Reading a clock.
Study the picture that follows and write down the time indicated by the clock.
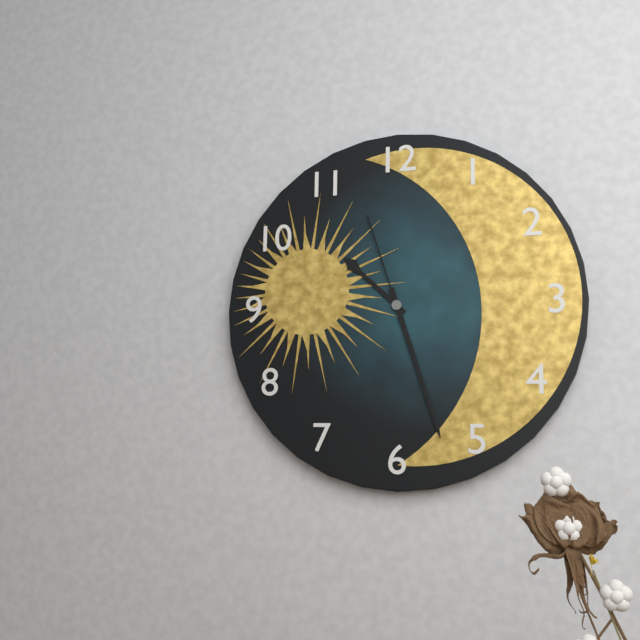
10:27:27
